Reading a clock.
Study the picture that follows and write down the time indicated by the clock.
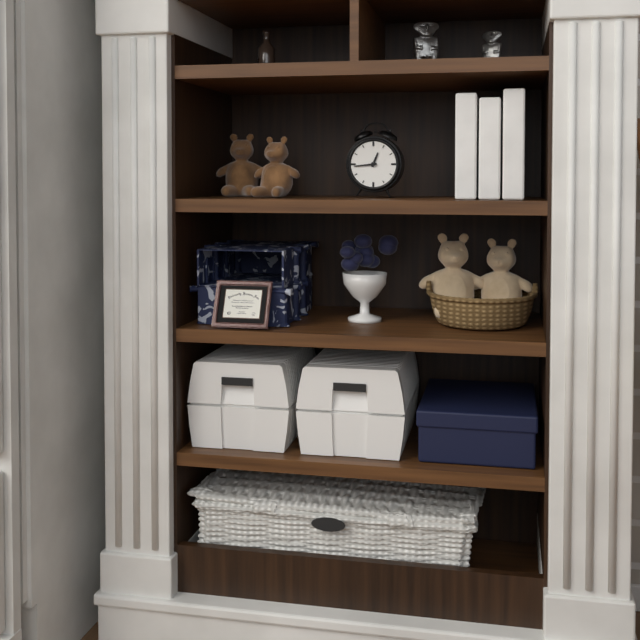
12:44
